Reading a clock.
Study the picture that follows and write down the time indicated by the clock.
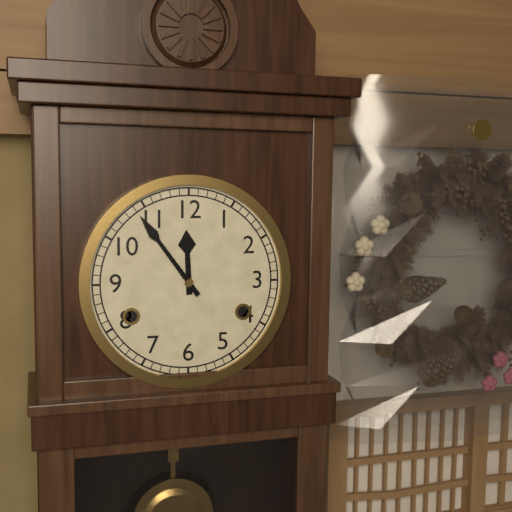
11:54
